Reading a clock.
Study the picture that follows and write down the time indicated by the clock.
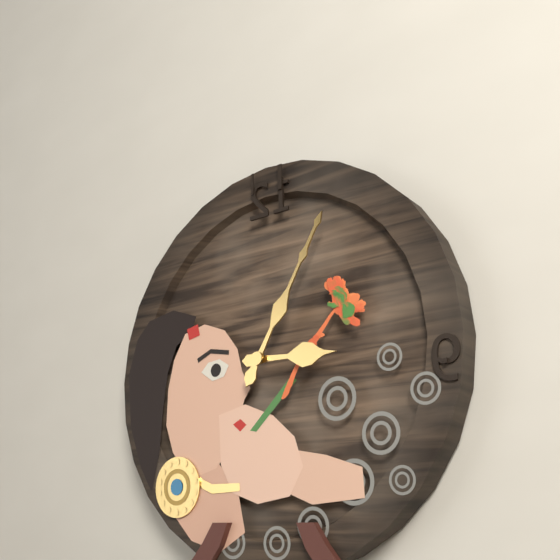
3:05
